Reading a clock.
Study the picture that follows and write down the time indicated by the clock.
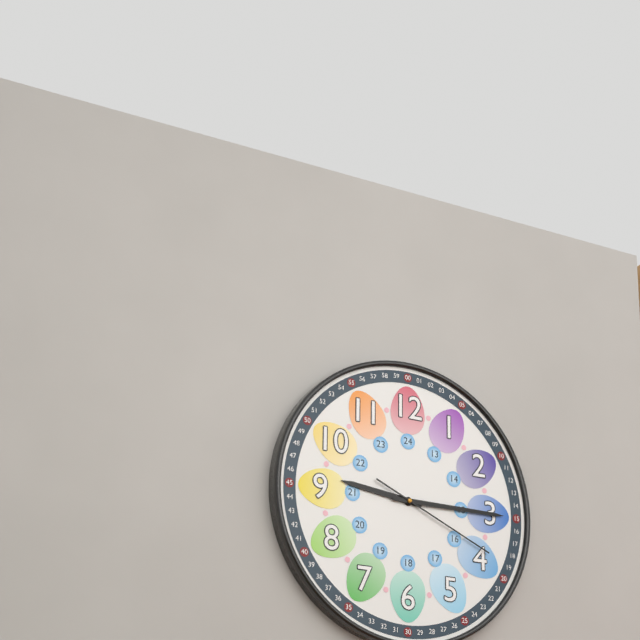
9:15:19
